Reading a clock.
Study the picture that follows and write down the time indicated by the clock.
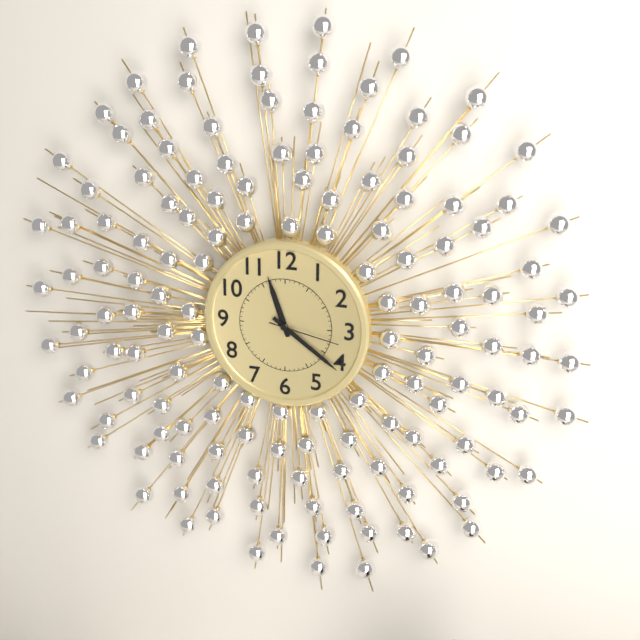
11:21:17
